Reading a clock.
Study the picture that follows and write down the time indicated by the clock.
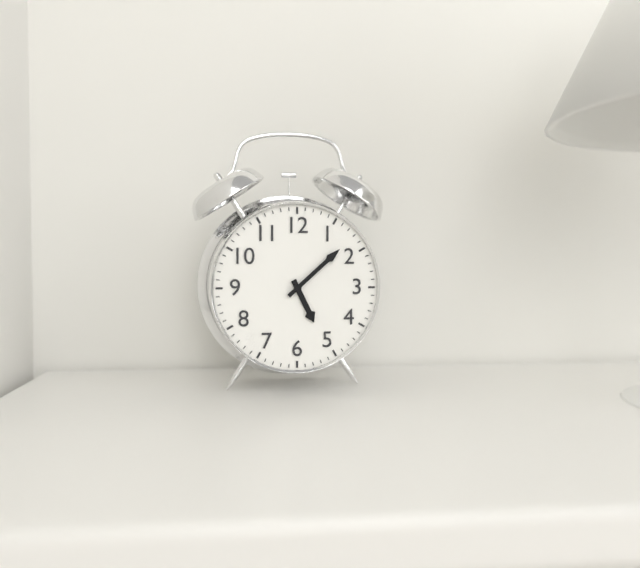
5:08
